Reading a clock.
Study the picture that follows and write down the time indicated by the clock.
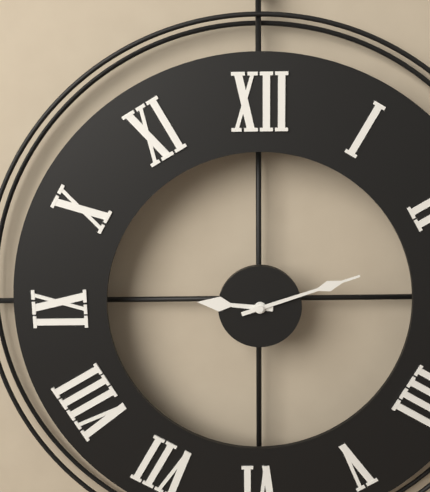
9:12
